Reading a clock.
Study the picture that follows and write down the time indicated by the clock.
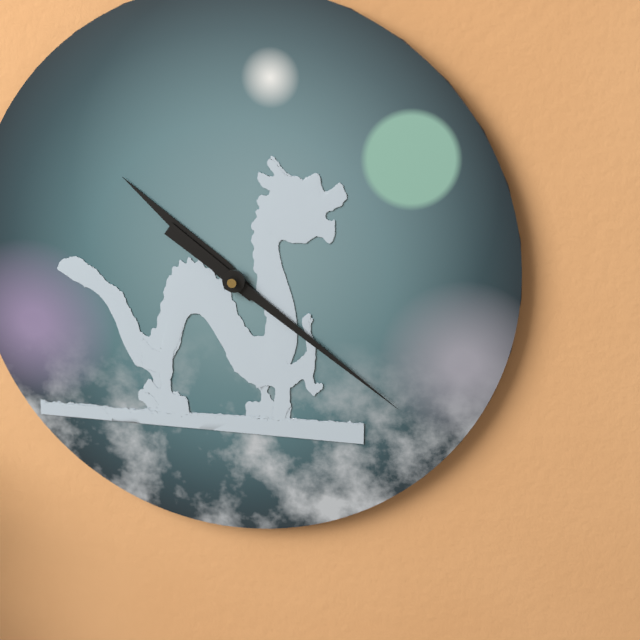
10:21
